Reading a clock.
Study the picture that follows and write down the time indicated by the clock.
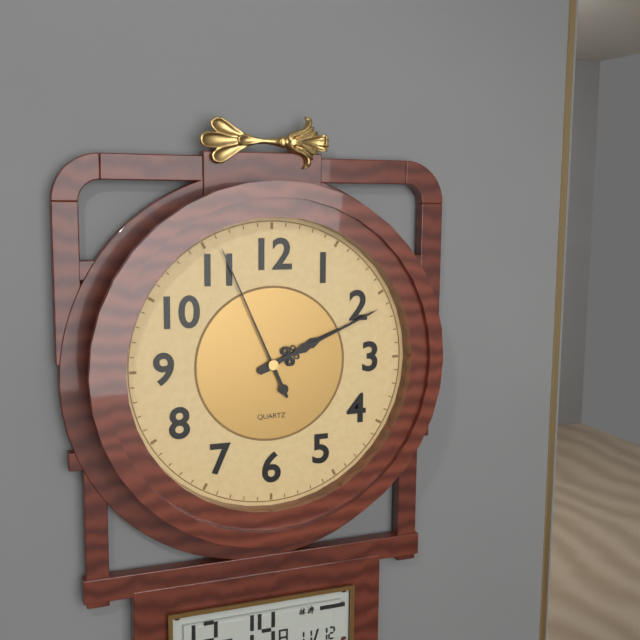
2:11:56
